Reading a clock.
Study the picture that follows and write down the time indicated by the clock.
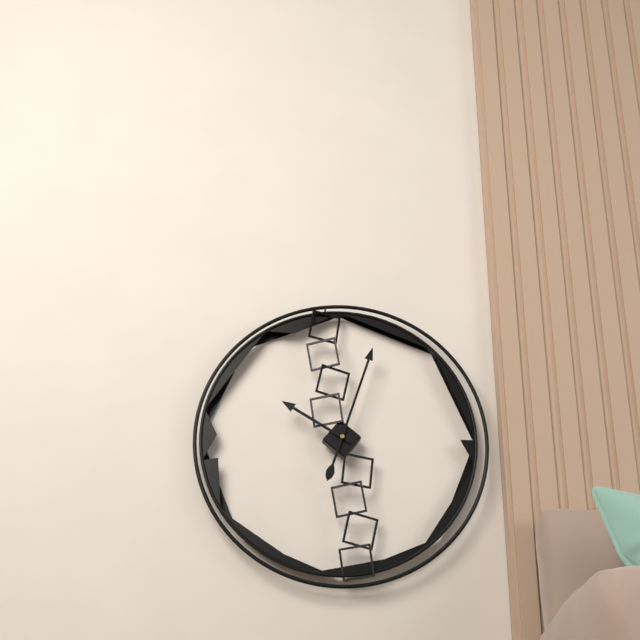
10:03
